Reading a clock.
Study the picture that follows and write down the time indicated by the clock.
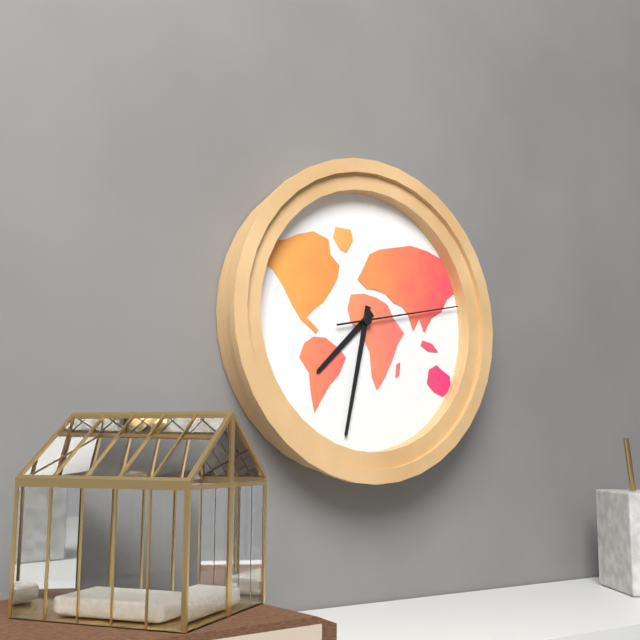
7:32:13
